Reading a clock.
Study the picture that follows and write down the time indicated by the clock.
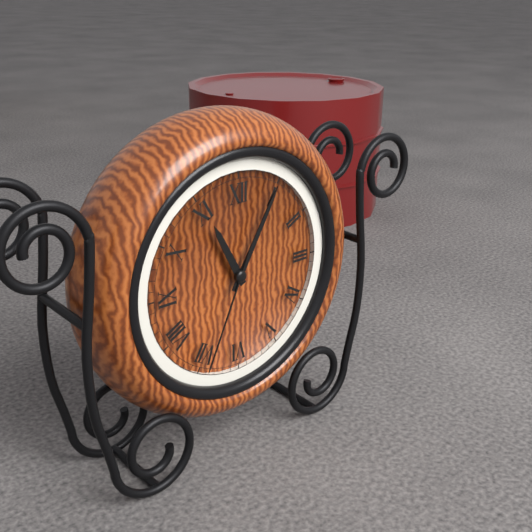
11:05:34
